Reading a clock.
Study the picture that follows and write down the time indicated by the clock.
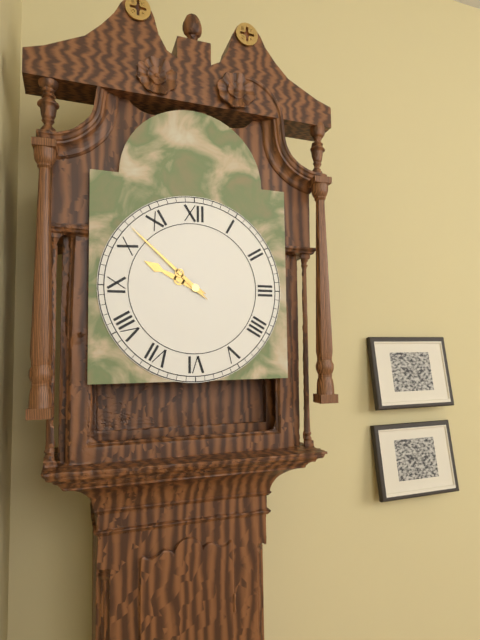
9:52
